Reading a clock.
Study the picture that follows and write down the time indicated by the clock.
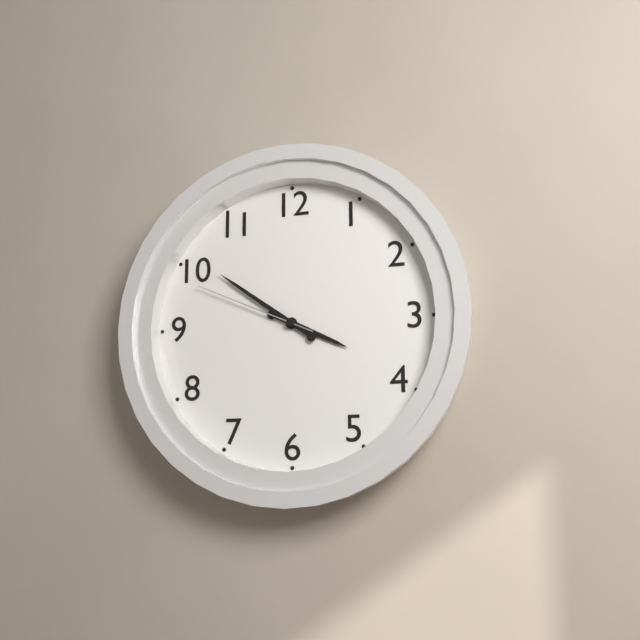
3:51:49
